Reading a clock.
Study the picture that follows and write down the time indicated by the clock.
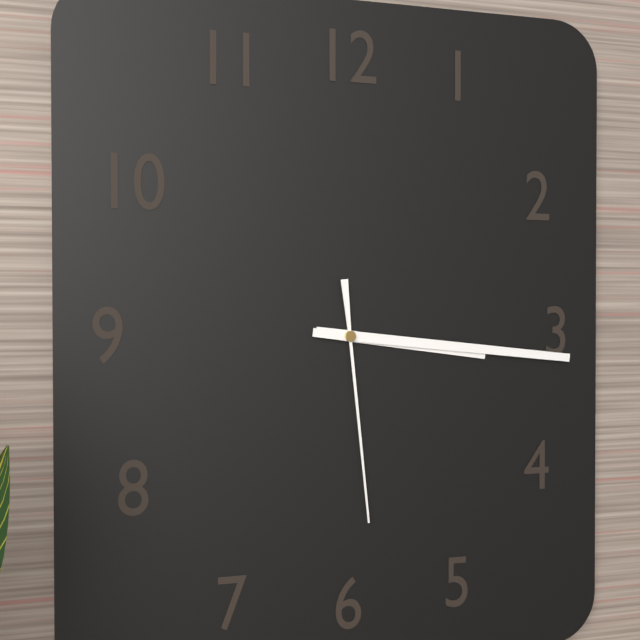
3:16:29
